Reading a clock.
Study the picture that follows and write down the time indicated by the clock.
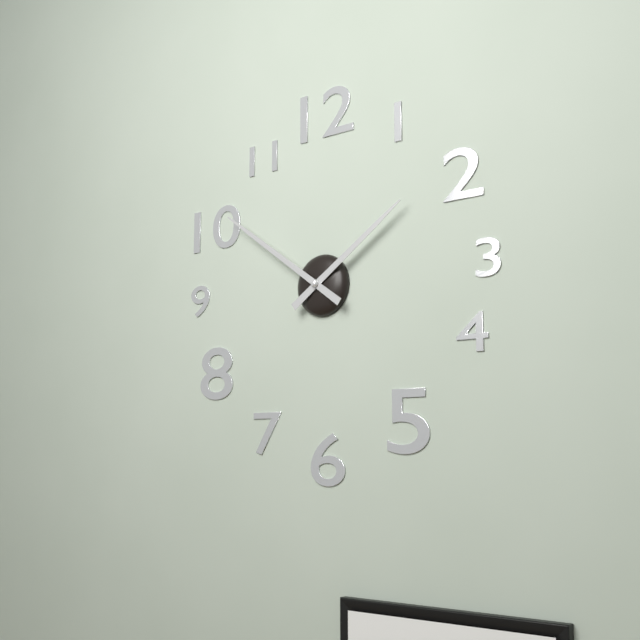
1:51
